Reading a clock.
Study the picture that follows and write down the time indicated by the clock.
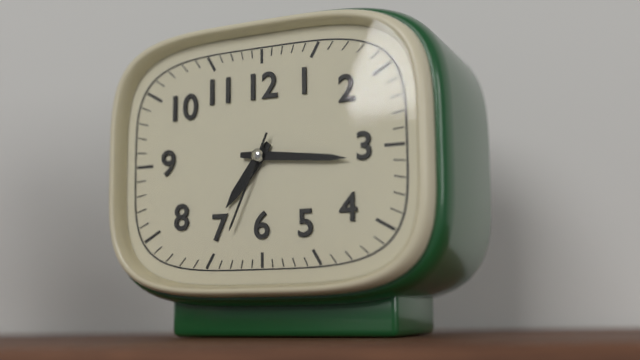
7:16:34
